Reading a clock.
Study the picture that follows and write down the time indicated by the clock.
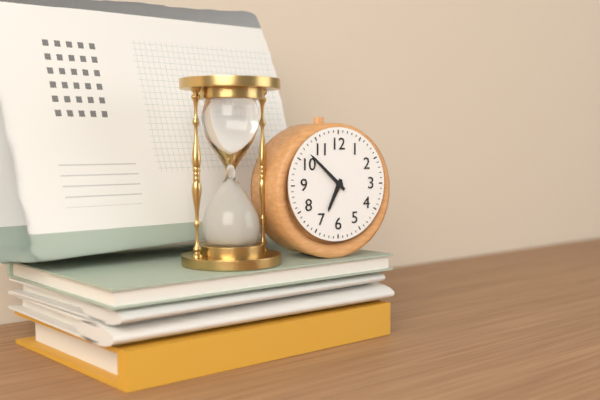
6:52
